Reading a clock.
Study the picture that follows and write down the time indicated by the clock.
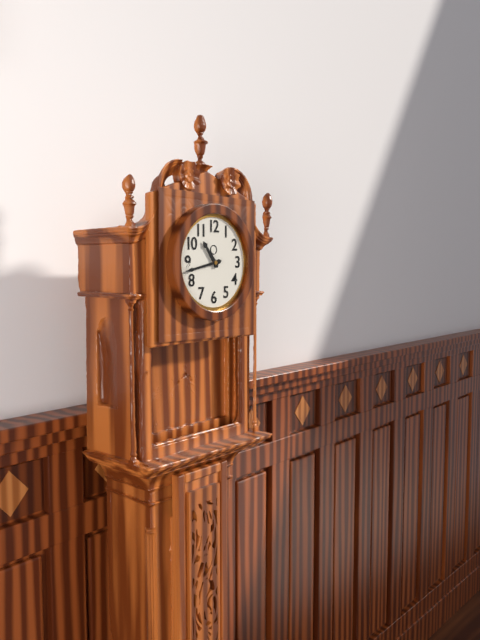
10:43
